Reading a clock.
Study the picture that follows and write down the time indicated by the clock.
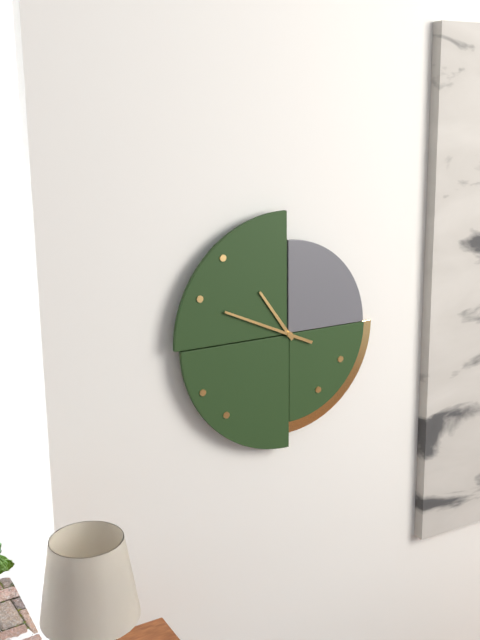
10:49
